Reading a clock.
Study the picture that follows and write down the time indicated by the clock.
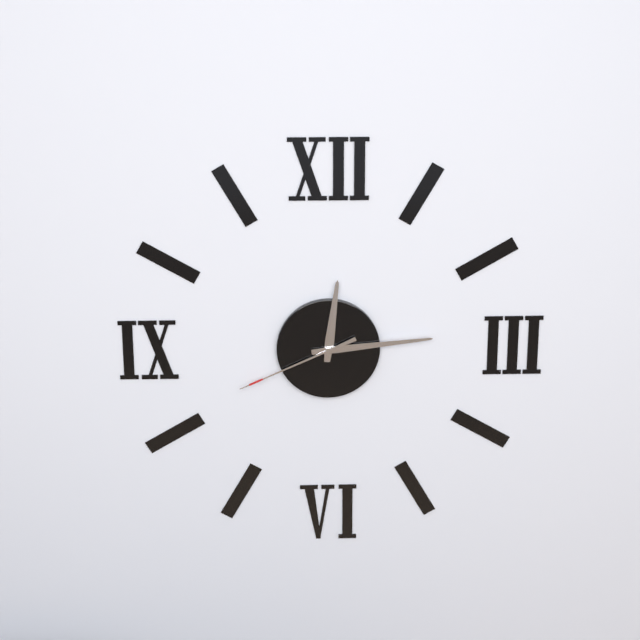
12:14:41
